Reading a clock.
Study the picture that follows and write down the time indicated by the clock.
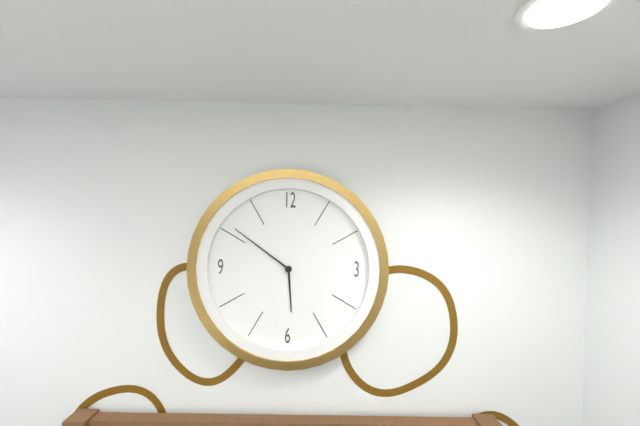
5:51
